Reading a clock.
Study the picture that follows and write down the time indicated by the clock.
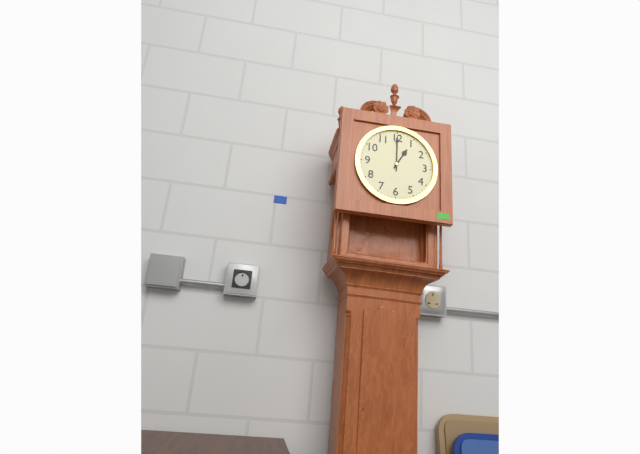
1:00
